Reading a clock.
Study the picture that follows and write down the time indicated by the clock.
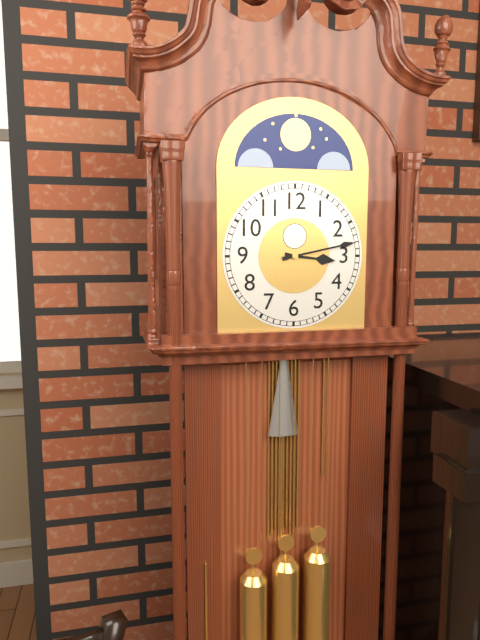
3:13
